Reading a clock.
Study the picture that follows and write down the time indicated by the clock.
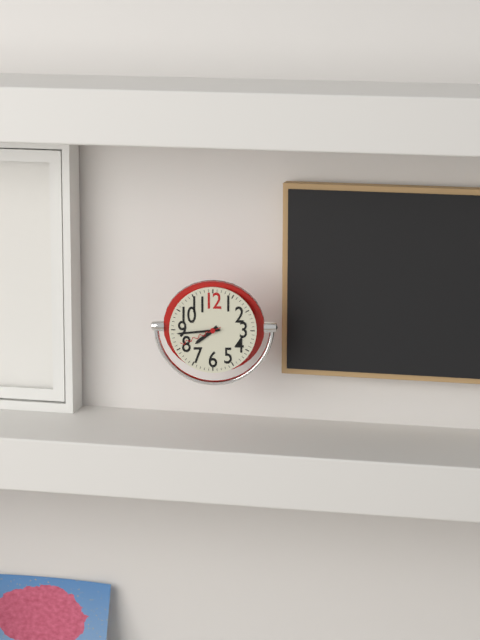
7:44
